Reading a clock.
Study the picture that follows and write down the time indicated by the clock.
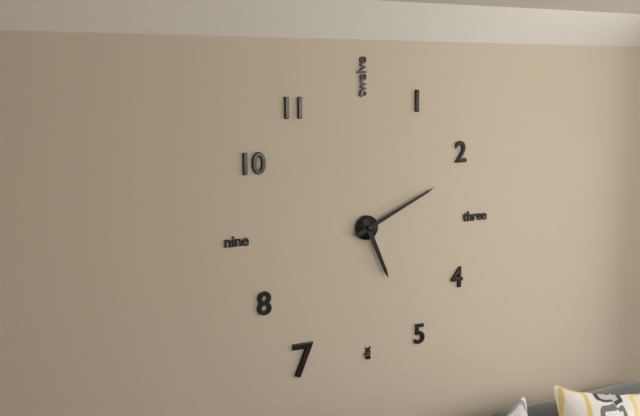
5:11
